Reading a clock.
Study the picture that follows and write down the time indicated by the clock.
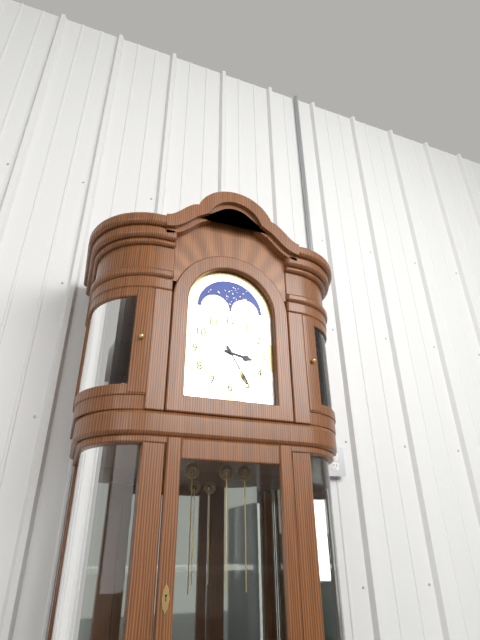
3:25
